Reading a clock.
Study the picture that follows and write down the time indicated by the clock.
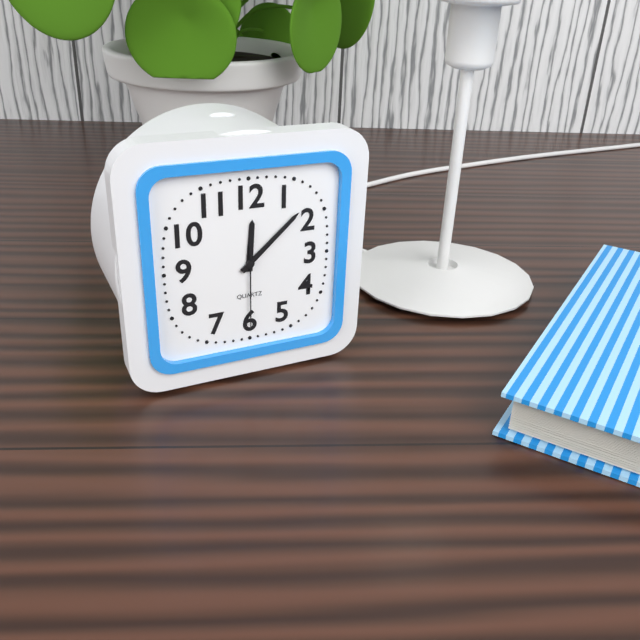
12:08:30
